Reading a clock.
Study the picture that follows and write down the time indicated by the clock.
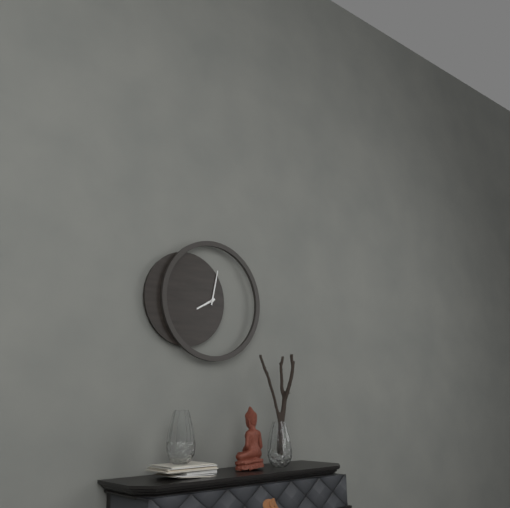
8:02
